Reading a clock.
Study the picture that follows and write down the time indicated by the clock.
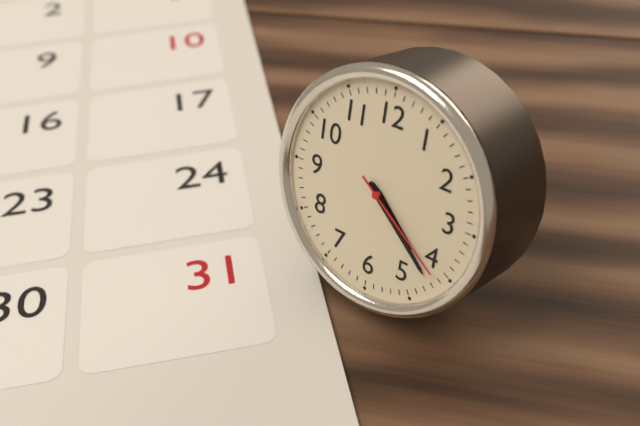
4:22:21
